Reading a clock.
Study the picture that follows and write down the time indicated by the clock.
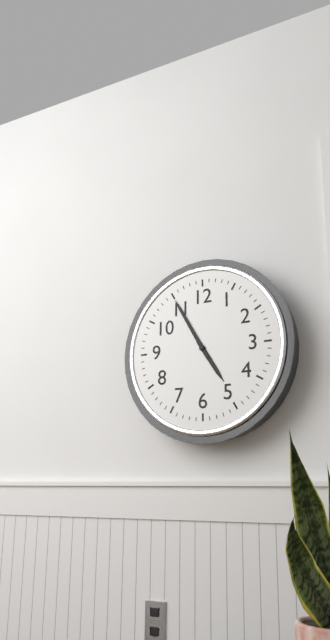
4:55
